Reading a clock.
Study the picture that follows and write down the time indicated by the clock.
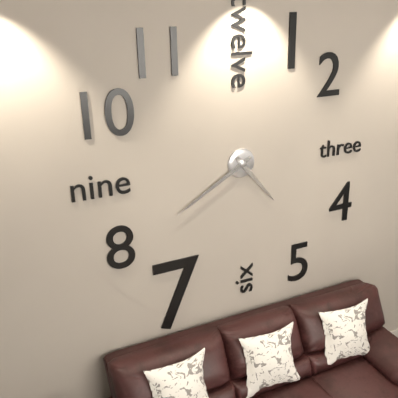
4:40
